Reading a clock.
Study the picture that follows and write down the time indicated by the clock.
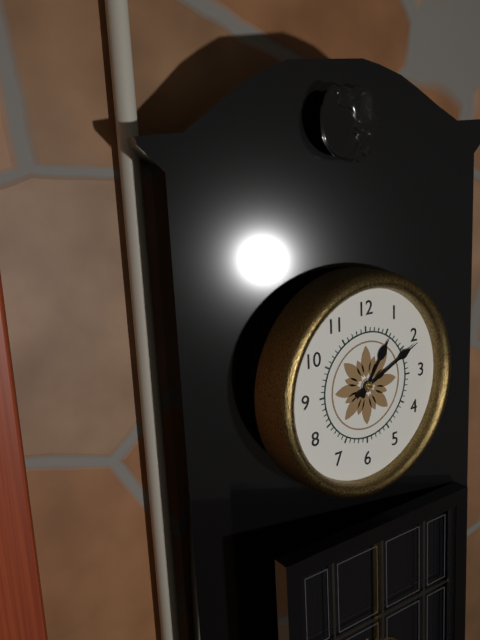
1:11
